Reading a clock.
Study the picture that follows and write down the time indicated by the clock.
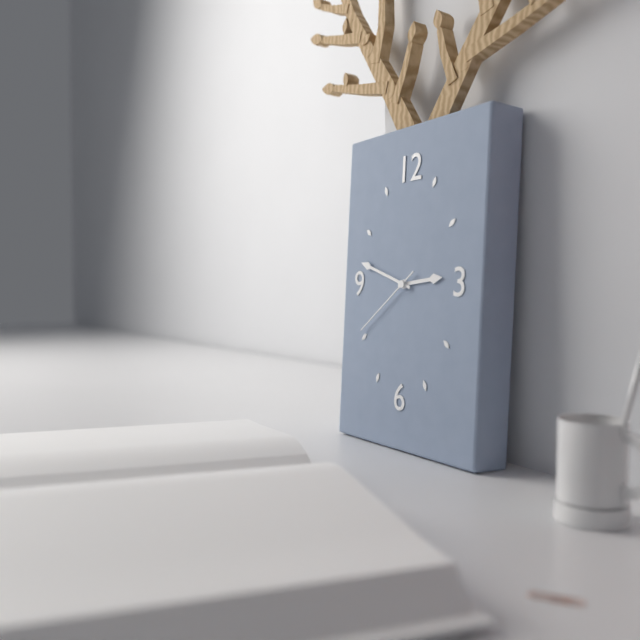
2:48:39
